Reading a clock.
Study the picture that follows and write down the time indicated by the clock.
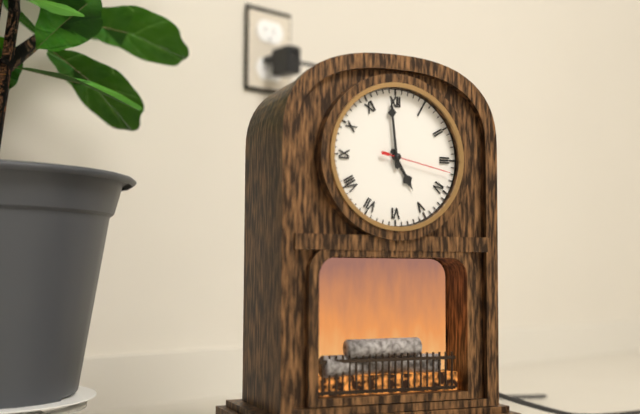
4:59:17
